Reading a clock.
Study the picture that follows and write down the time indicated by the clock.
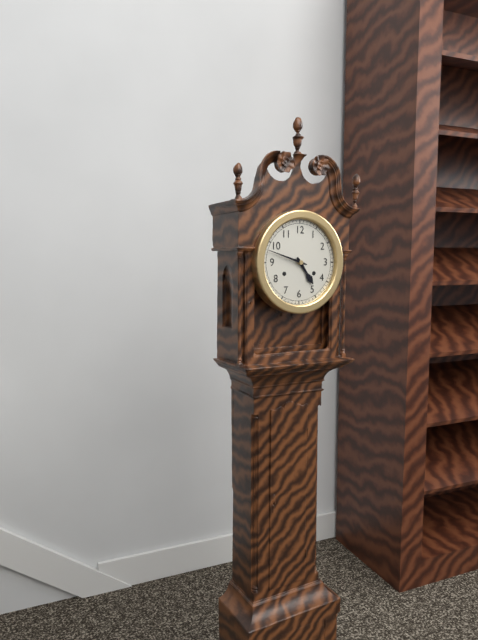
4:48
